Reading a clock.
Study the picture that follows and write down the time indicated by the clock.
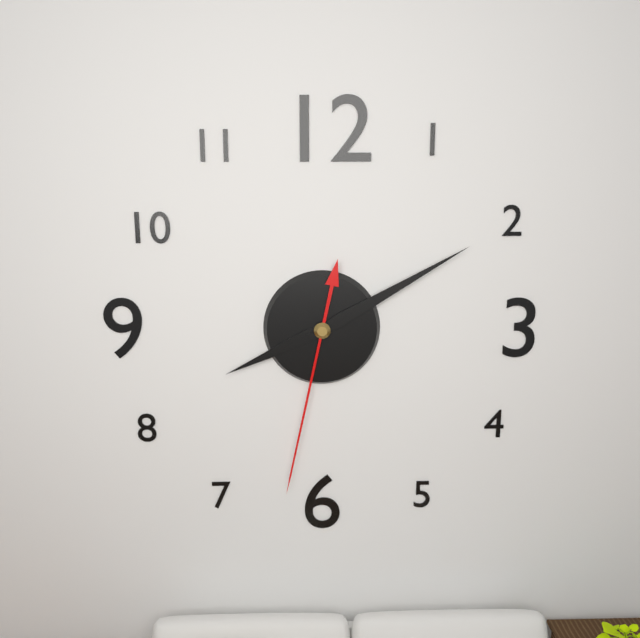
8:10:32
